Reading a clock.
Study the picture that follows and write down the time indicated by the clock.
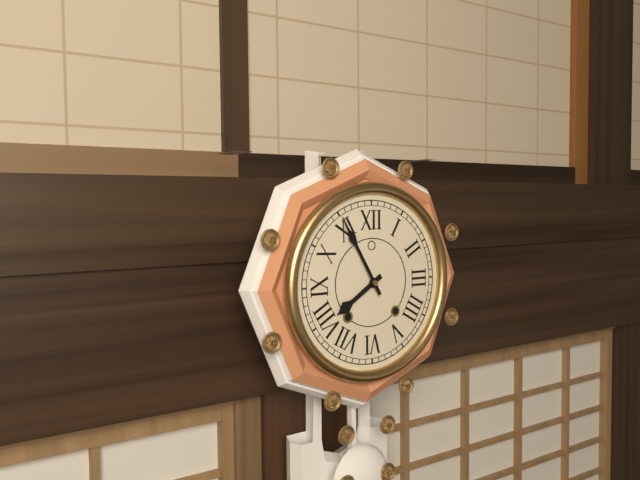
7:55
